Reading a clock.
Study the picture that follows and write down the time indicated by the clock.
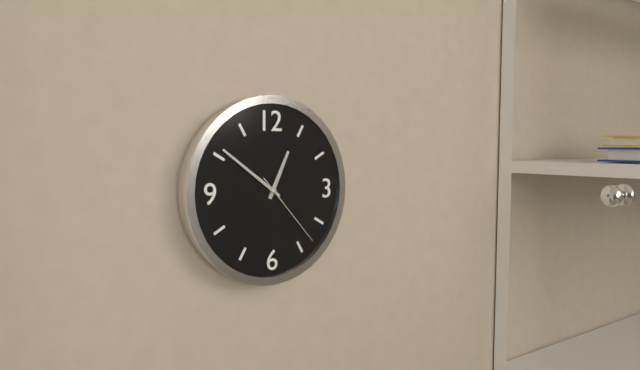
12:51:23
